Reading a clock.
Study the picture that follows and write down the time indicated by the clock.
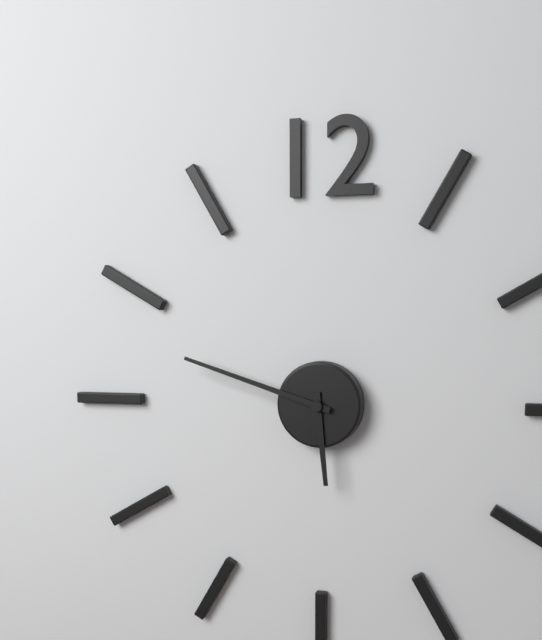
5:48
